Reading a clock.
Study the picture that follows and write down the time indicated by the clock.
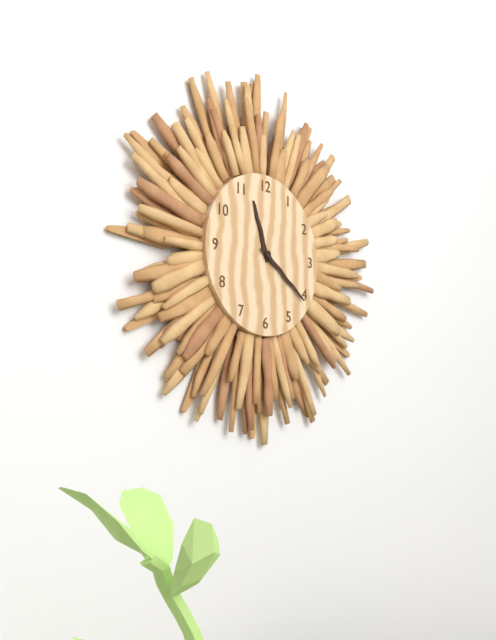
11:21
